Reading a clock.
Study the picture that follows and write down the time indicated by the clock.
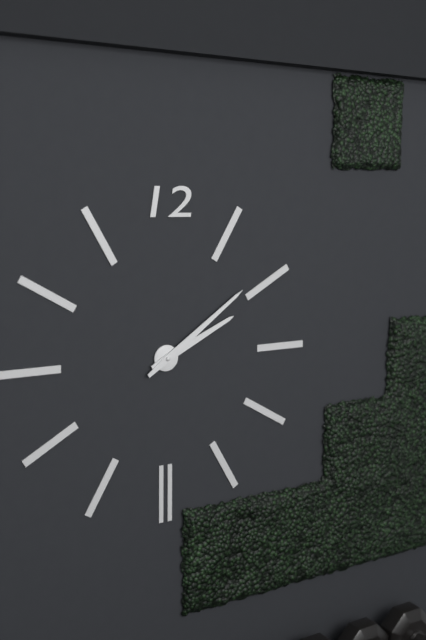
2:09
